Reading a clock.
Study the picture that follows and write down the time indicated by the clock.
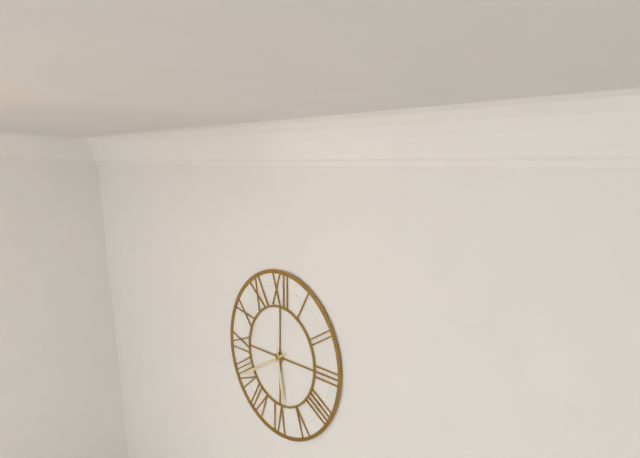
5:40
